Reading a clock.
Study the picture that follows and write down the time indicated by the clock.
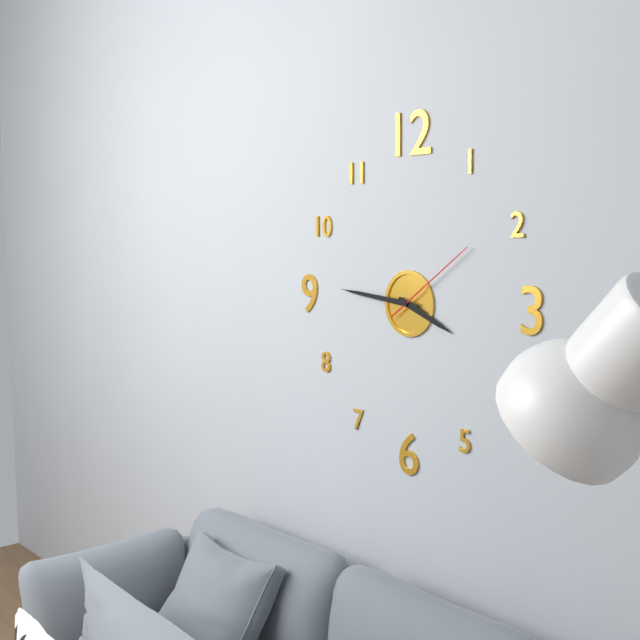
3:46:09
